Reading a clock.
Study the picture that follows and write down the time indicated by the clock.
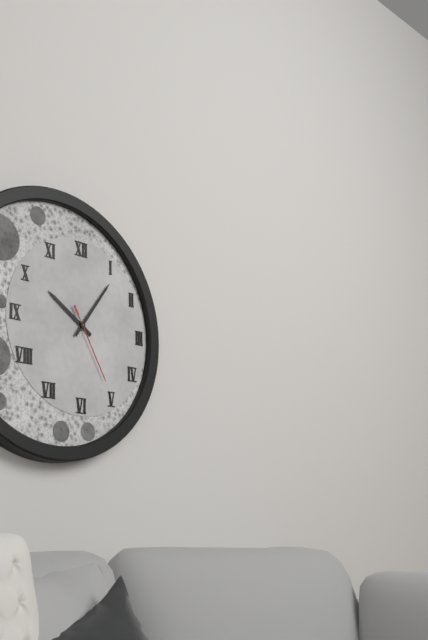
10:06:25
